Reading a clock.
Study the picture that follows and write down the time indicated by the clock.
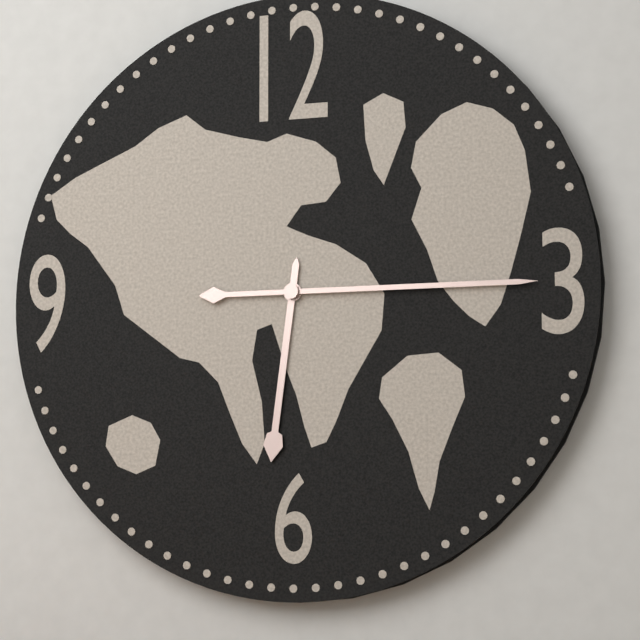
6:15
